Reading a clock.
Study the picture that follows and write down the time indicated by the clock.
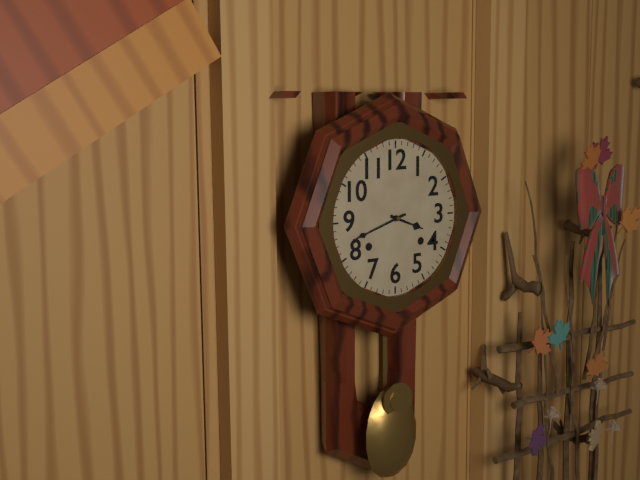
3:42
